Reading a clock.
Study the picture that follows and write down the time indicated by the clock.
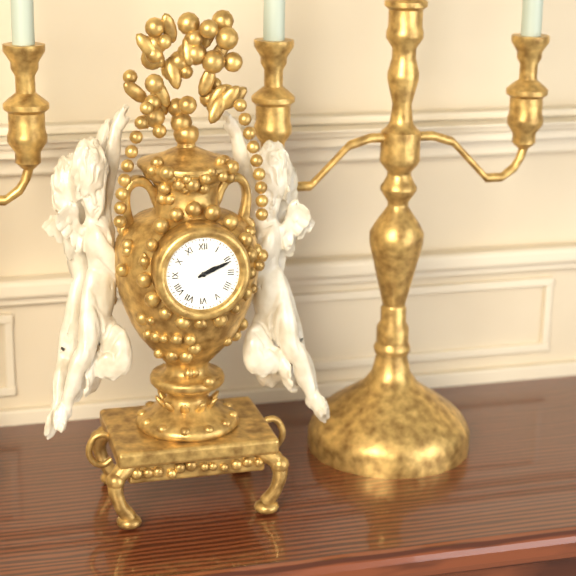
2:11
